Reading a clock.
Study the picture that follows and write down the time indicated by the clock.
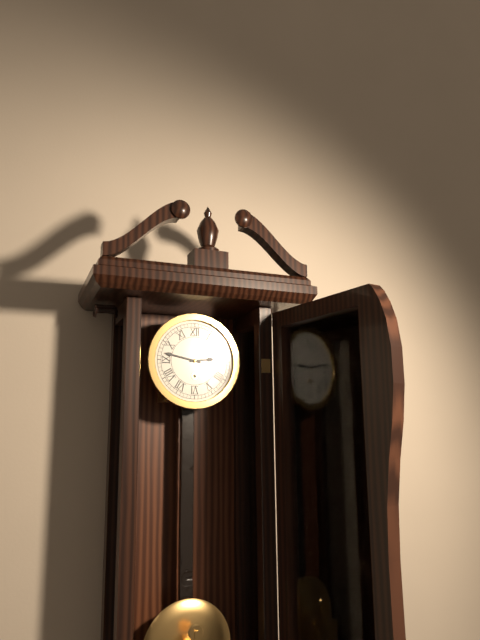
2:47
